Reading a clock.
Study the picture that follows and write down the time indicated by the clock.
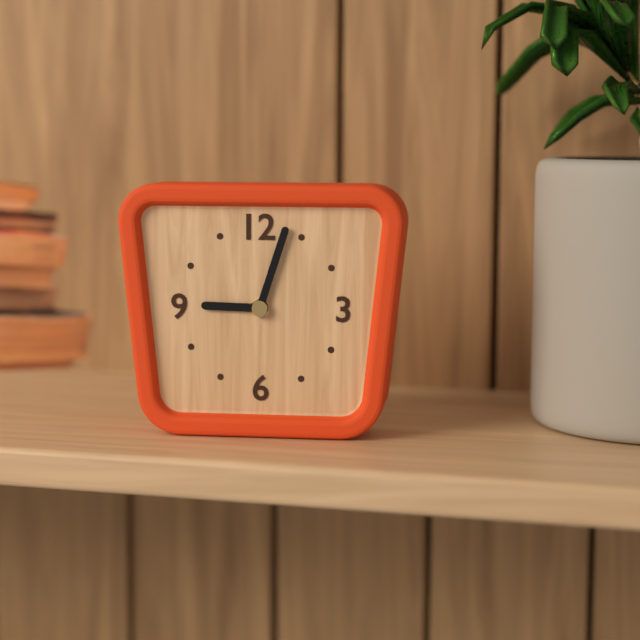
9:03
